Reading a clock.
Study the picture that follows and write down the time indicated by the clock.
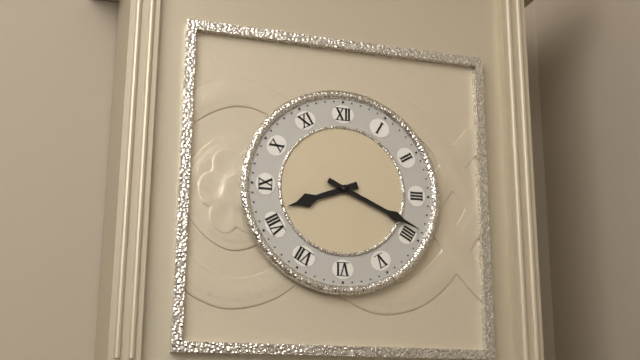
8:19
